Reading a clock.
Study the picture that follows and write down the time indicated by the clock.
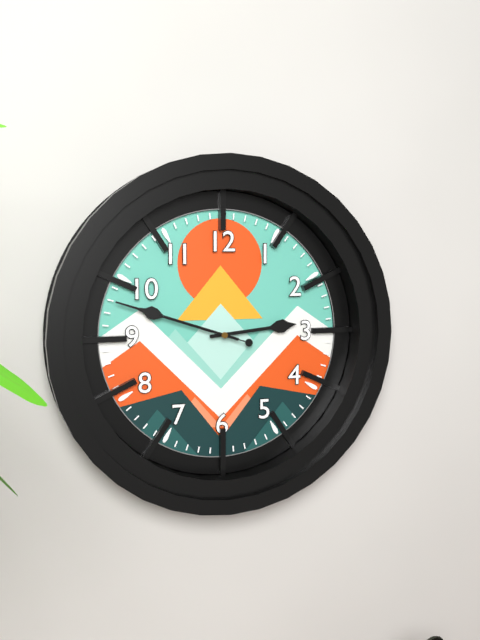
2:48:48
